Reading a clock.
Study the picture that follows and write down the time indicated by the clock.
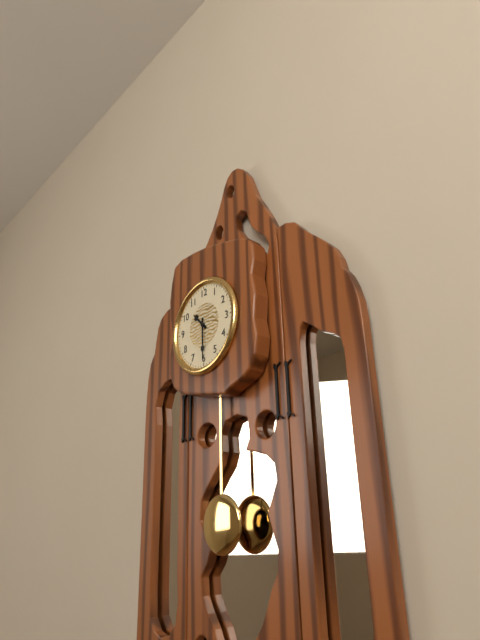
10:30
